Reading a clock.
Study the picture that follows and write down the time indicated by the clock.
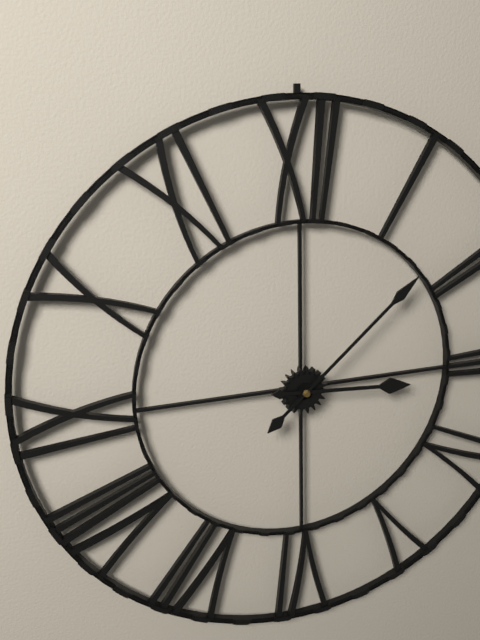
3:08
